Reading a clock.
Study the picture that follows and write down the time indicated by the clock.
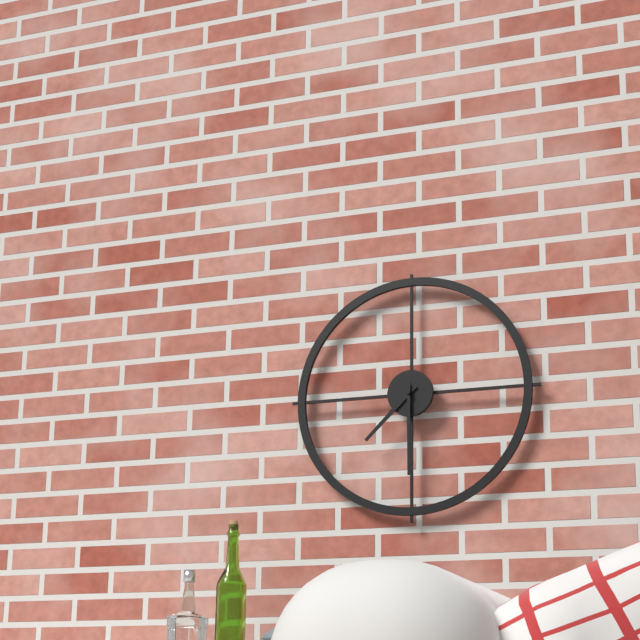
7:30
